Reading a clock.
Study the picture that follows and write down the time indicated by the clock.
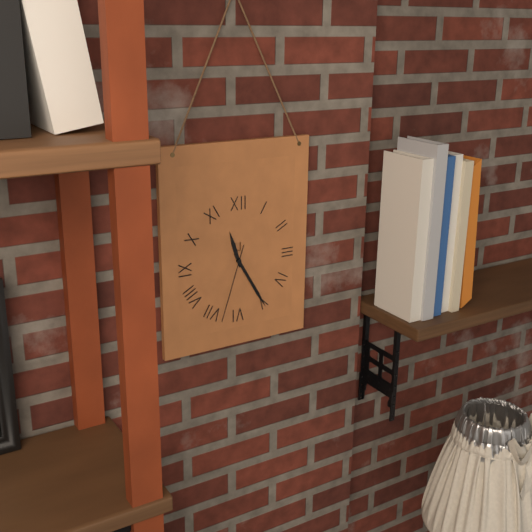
11:25:33
